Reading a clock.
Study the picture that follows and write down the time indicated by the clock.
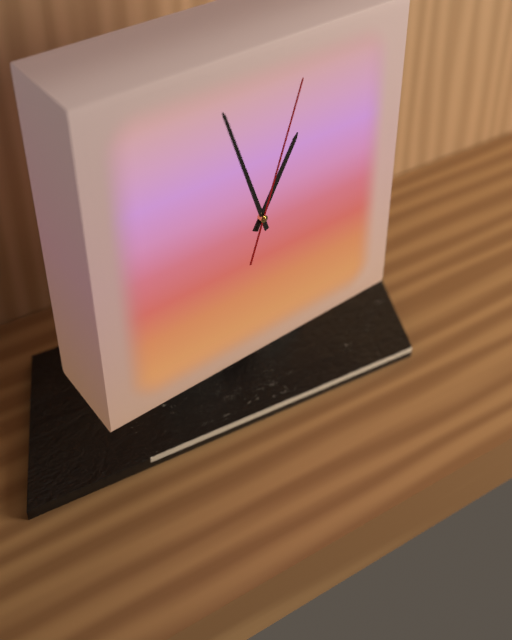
12:57:03
